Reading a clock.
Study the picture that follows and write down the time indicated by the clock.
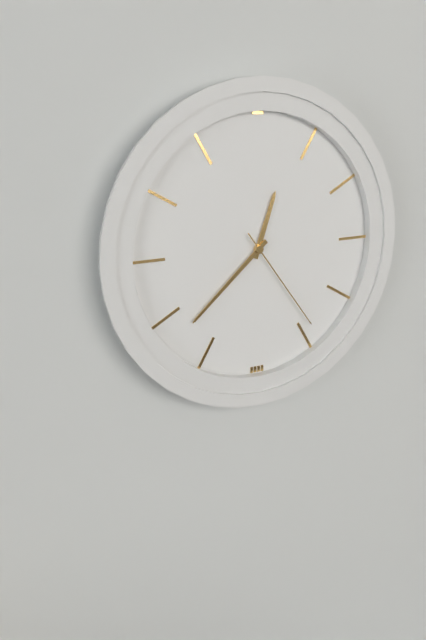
12:38:24
